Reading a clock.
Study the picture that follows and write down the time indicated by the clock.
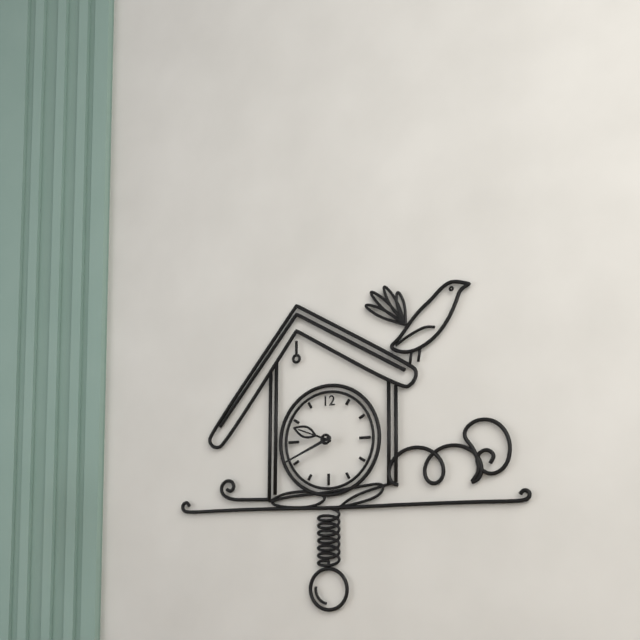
9:41
